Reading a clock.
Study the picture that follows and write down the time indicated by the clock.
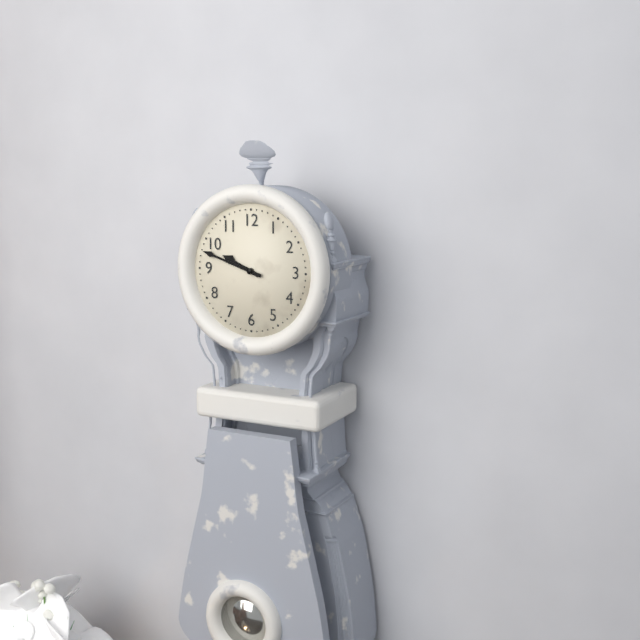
9:48
